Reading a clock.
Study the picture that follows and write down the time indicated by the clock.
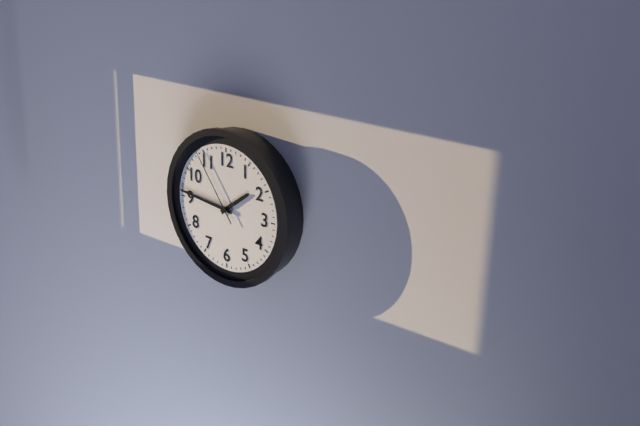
1:46:54
